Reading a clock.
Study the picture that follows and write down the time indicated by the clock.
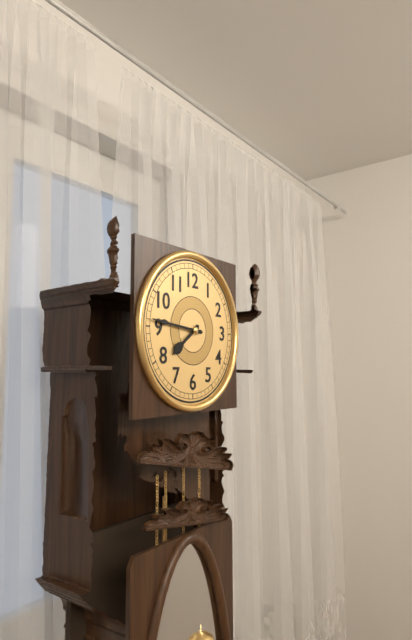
7:46
